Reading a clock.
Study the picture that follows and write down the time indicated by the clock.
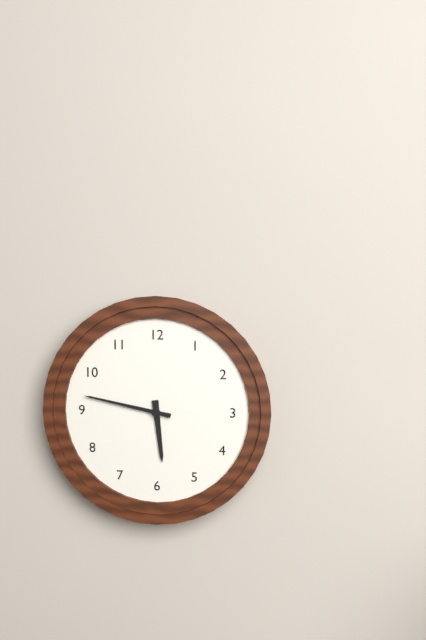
5:47
